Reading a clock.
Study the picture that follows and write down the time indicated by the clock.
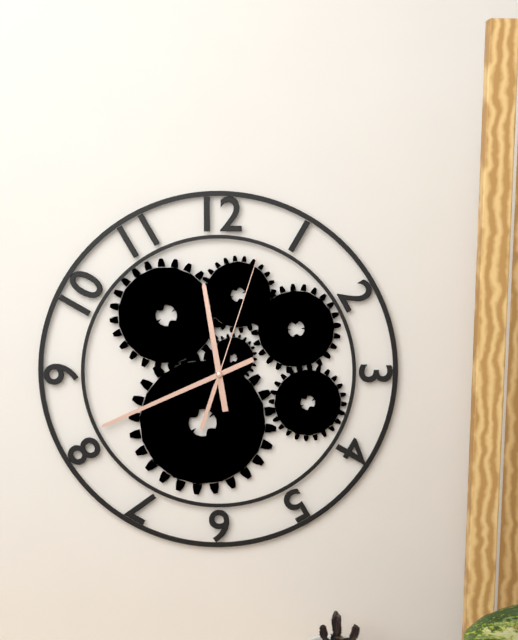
11:41:03
